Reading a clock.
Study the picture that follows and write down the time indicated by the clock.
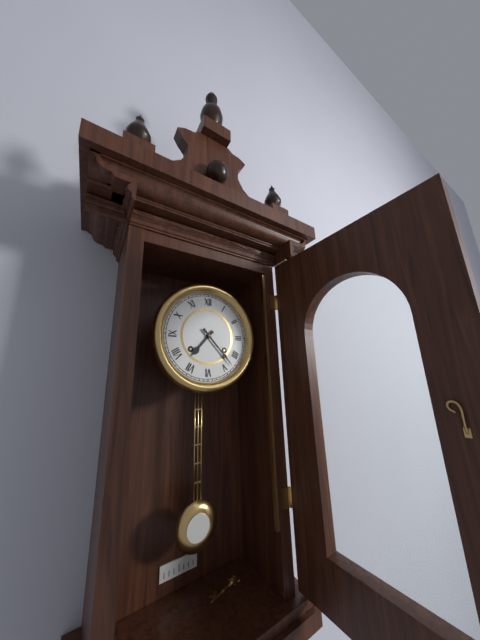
7:23
